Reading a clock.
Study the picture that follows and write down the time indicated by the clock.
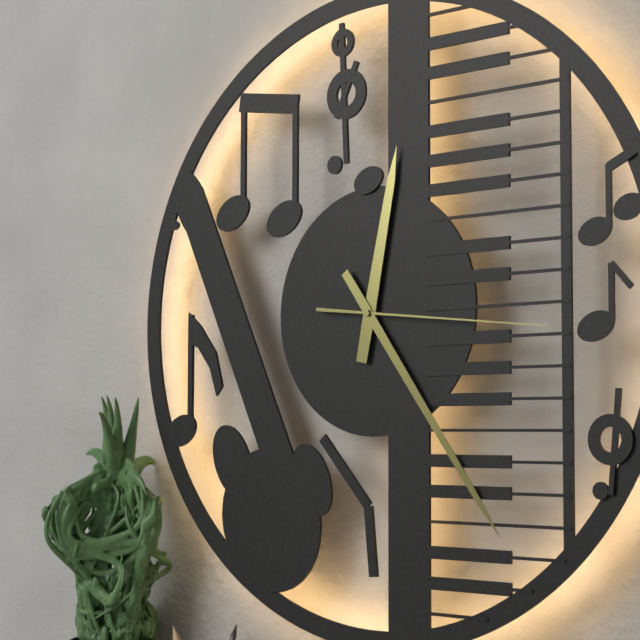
12:24:16
